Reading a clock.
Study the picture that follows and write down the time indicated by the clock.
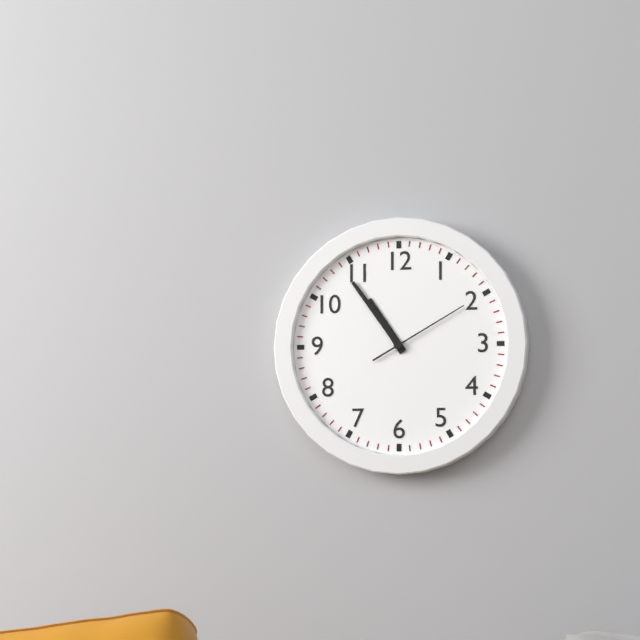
10:54:10
